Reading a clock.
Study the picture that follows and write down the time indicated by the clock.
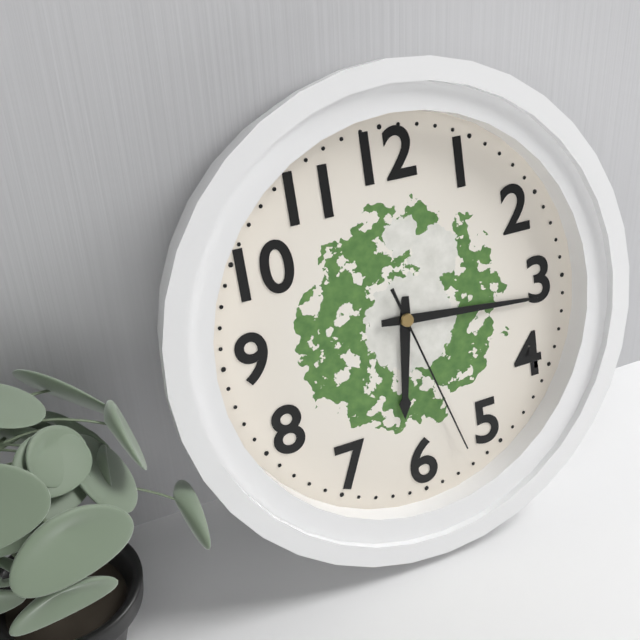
6:16:27
